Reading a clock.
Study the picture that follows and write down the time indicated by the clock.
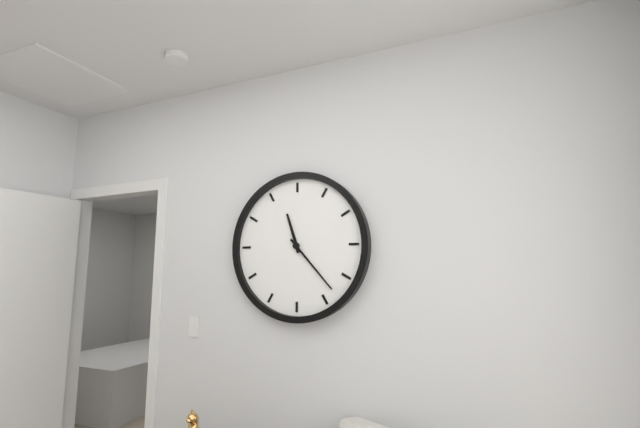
11:23
